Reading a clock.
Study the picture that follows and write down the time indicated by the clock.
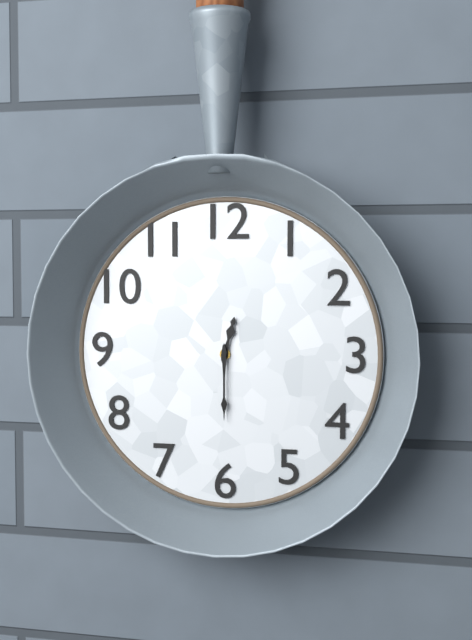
12:30
